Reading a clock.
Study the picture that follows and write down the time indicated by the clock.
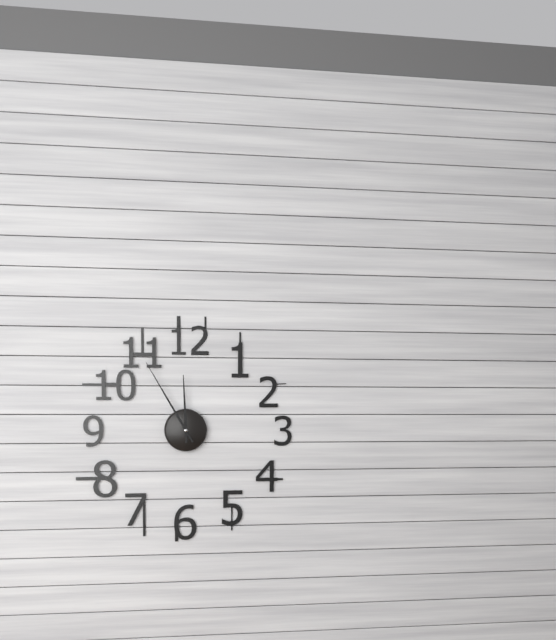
11:55
